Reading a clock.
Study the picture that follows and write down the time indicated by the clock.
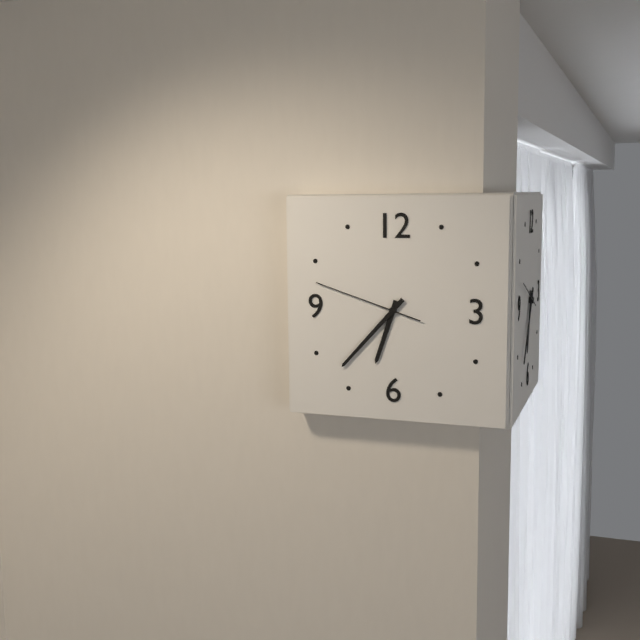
6:37:48
